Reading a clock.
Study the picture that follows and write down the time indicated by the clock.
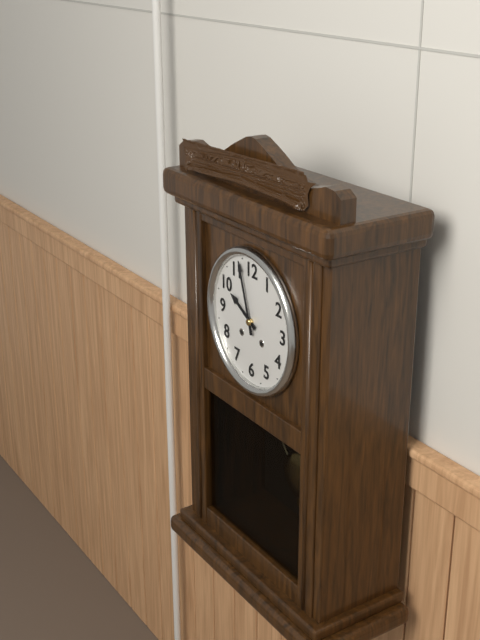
9:57
